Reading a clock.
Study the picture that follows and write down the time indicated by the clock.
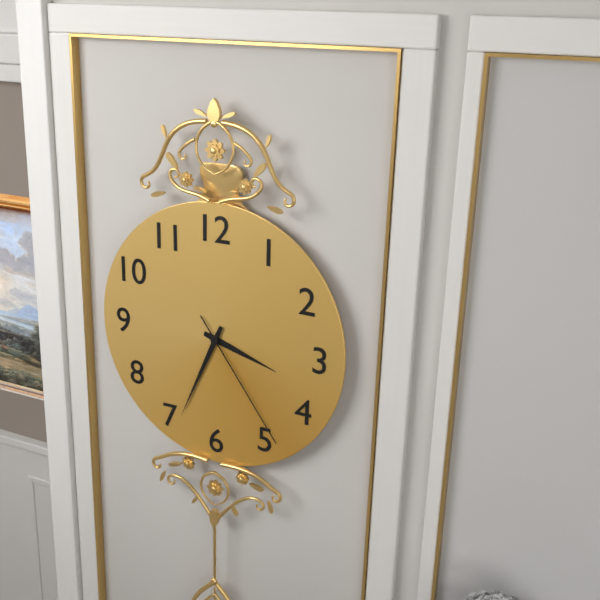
3:34:24
